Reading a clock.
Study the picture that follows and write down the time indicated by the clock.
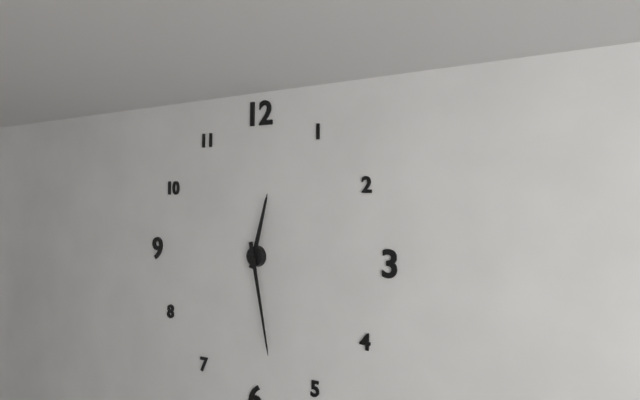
12:28
